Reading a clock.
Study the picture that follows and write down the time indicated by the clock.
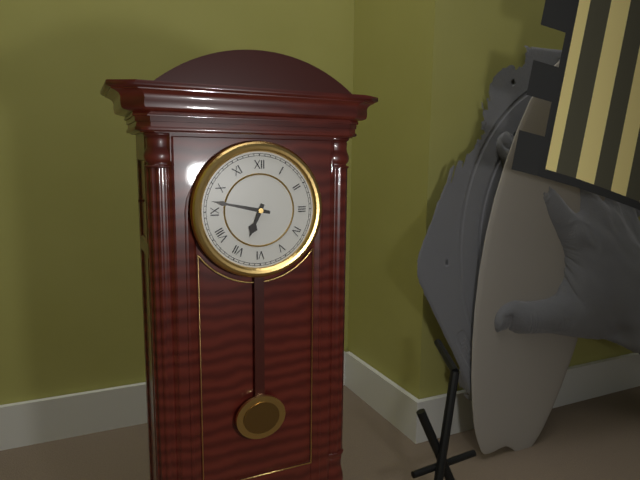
6:47
